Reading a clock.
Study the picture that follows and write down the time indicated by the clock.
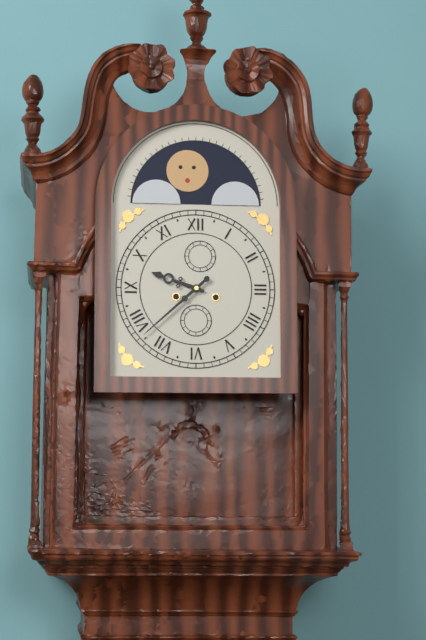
9:38
